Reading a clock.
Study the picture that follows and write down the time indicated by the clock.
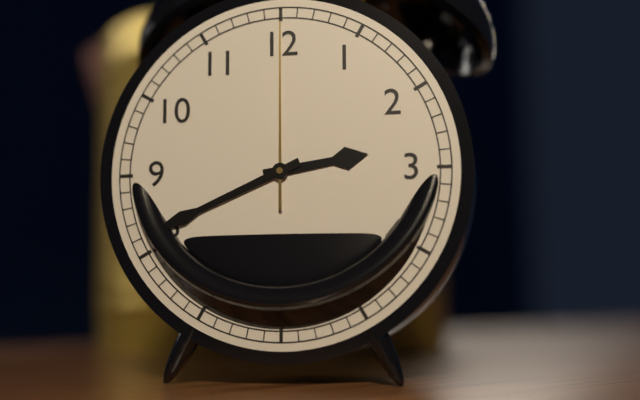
2:41:00
